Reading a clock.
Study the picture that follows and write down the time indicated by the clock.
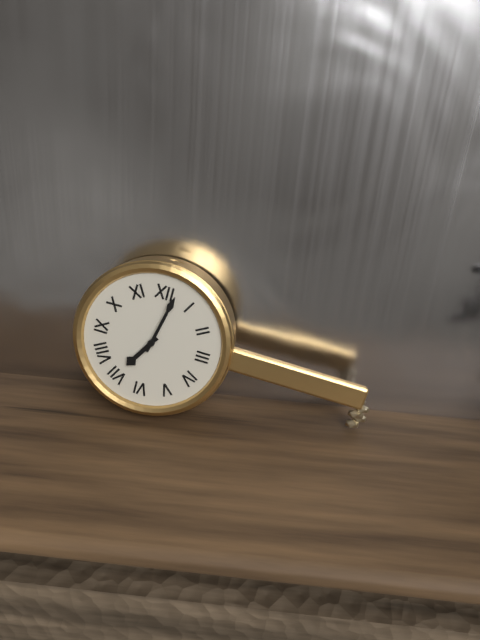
7:02
